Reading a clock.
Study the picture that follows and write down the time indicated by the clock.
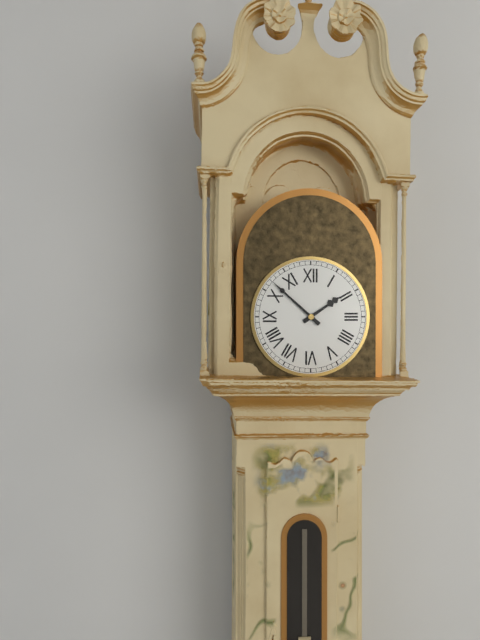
1:52
